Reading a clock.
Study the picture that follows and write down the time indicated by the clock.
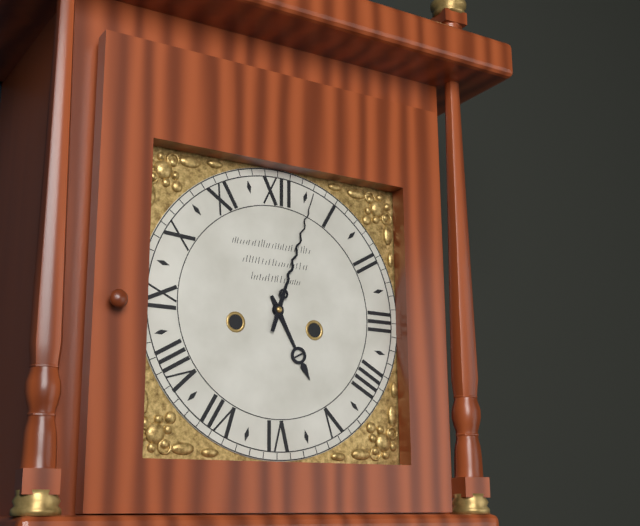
5:03
